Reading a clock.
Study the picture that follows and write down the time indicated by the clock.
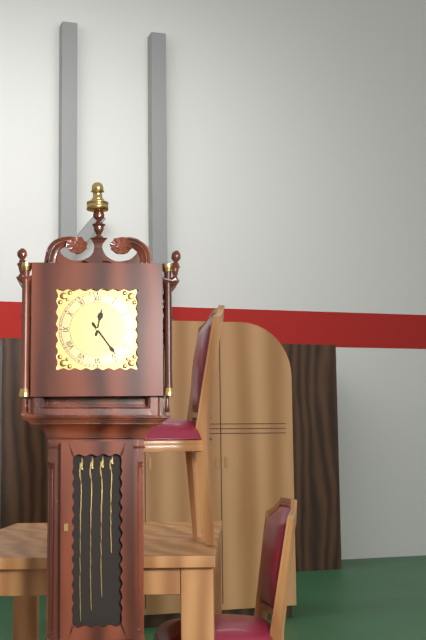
12:24
